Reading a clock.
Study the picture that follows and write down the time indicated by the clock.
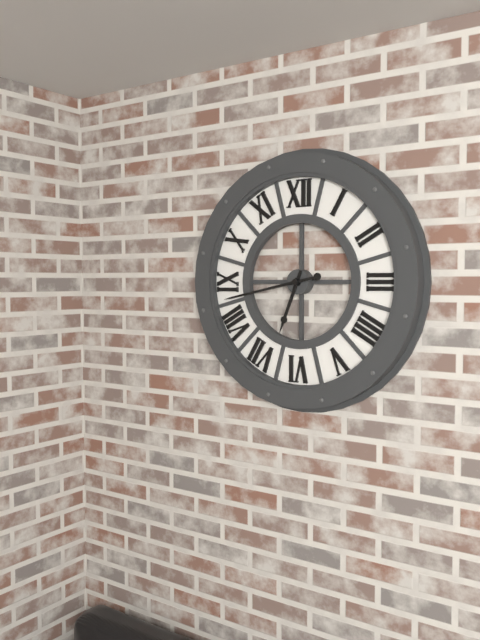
6:43
